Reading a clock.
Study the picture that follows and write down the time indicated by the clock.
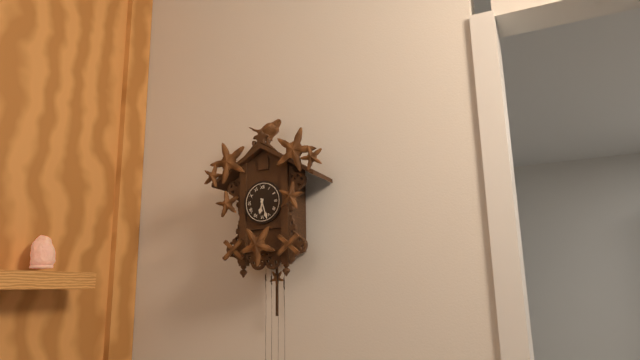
6:27
